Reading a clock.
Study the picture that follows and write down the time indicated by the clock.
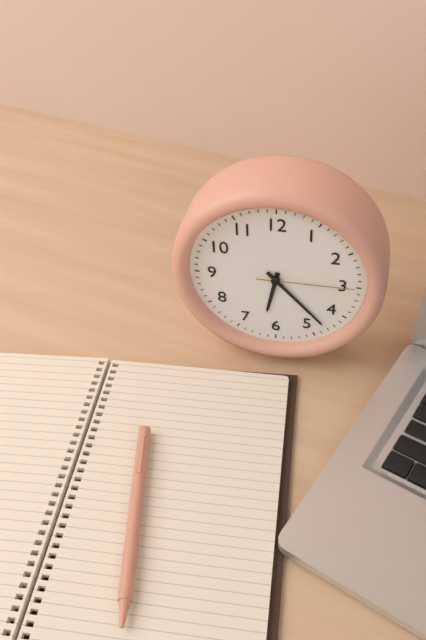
6:23:15
